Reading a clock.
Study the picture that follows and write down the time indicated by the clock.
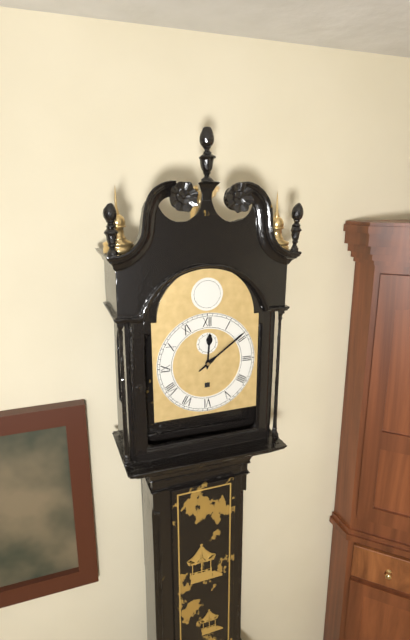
12:09
